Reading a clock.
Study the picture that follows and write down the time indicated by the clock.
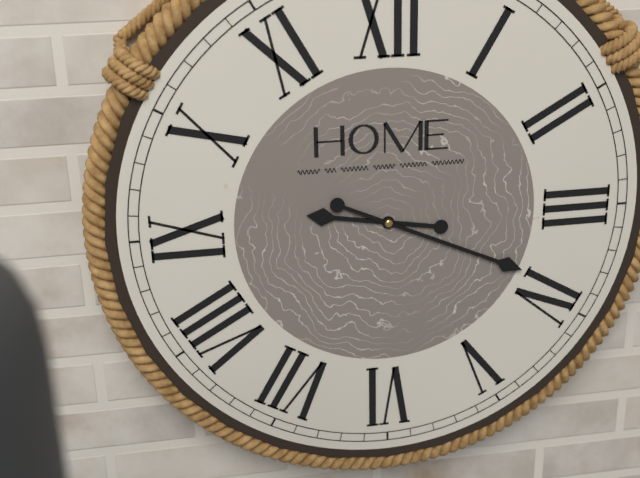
9:19
